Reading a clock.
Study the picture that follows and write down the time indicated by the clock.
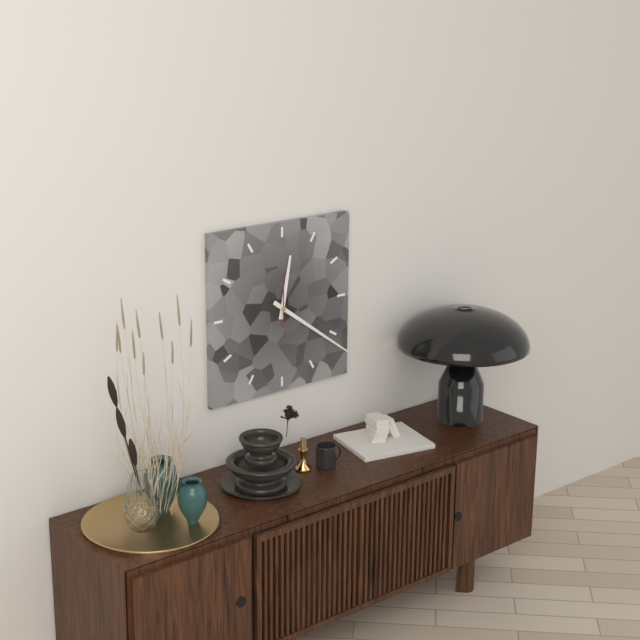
12:21
